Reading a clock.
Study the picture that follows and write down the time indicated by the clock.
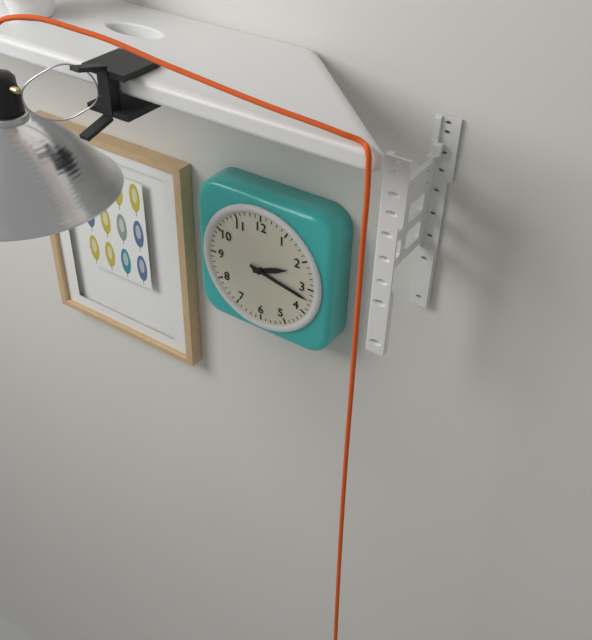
2:17
